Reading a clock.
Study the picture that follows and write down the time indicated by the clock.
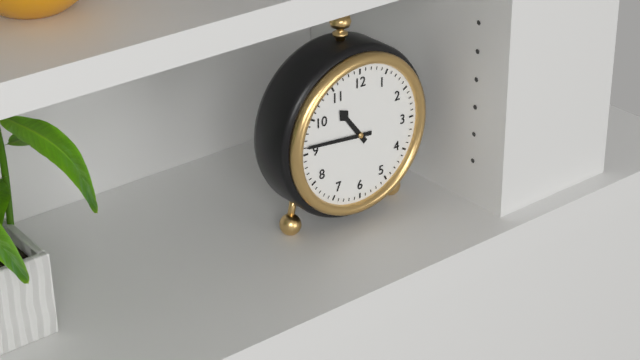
10:46
